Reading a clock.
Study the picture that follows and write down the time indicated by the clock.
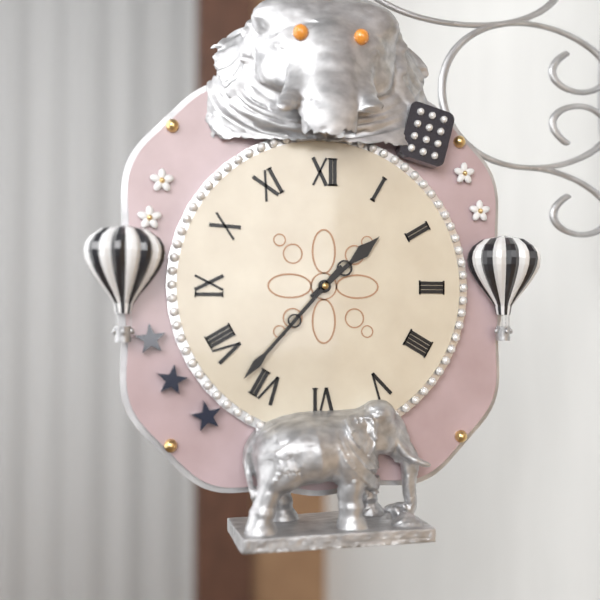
1:37
